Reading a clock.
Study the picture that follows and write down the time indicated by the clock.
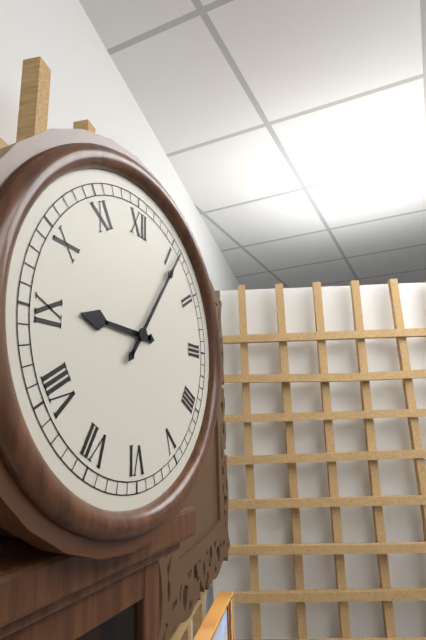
9:06
